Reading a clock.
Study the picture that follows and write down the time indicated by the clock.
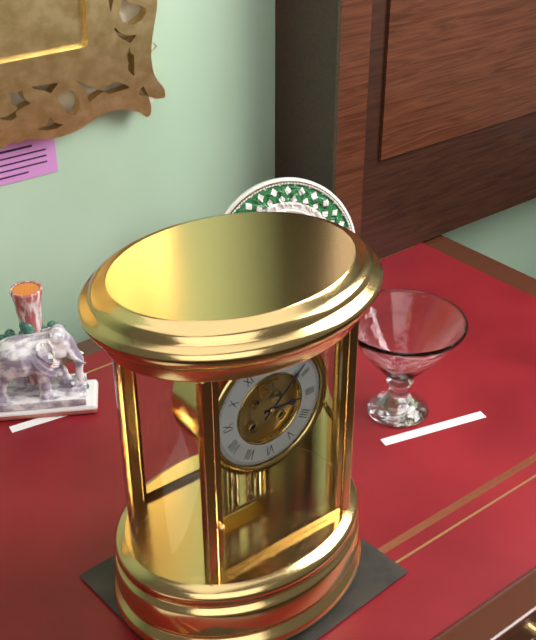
3:08
